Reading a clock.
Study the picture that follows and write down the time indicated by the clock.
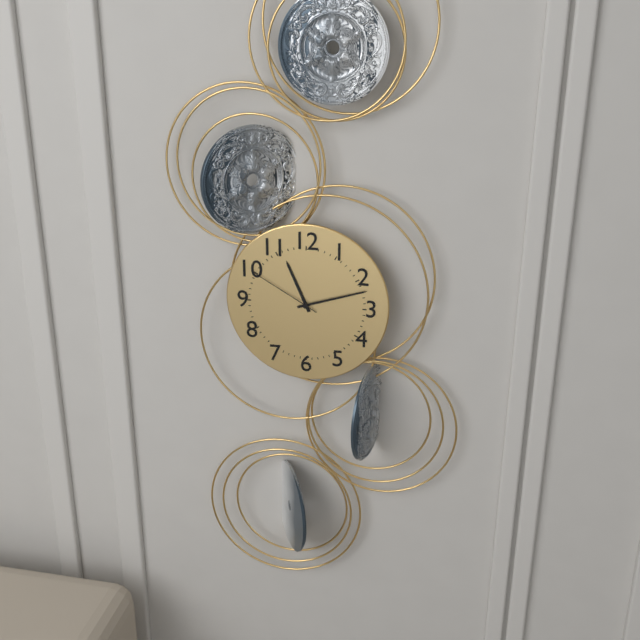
11:12:50
